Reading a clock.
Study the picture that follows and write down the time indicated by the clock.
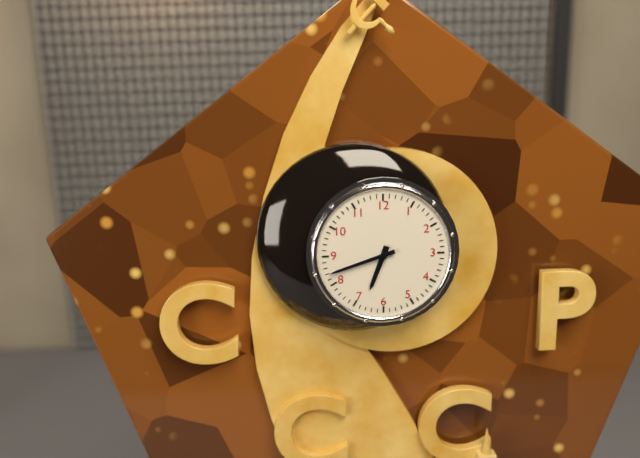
6:42
